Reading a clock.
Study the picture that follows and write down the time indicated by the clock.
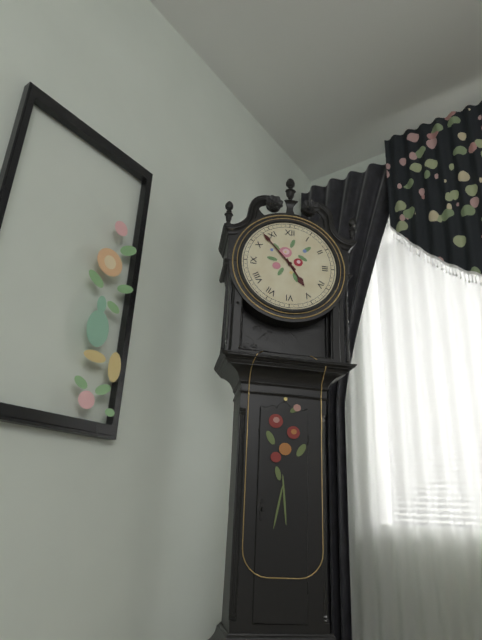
4:53
